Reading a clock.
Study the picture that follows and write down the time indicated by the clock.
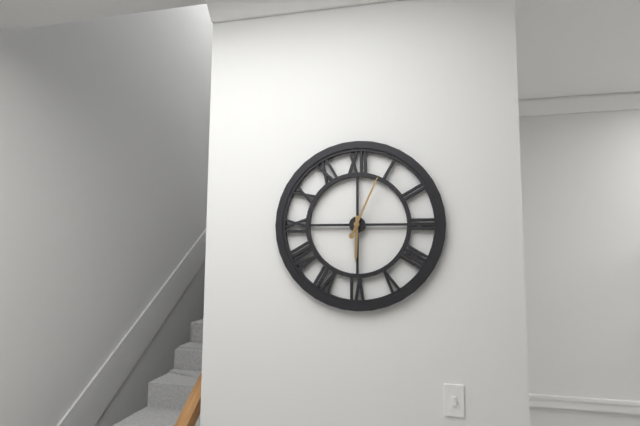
6:04
